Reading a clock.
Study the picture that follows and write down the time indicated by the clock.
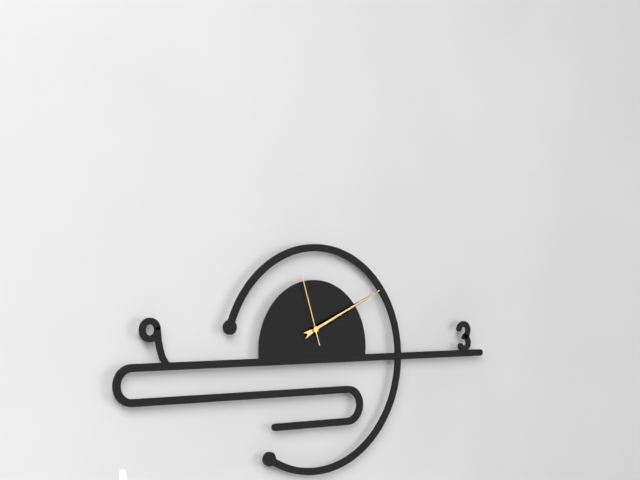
2:11:57
